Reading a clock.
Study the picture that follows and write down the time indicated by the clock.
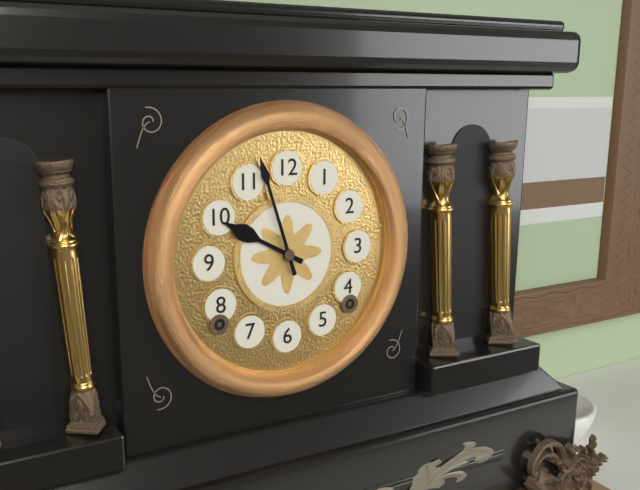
9:57
